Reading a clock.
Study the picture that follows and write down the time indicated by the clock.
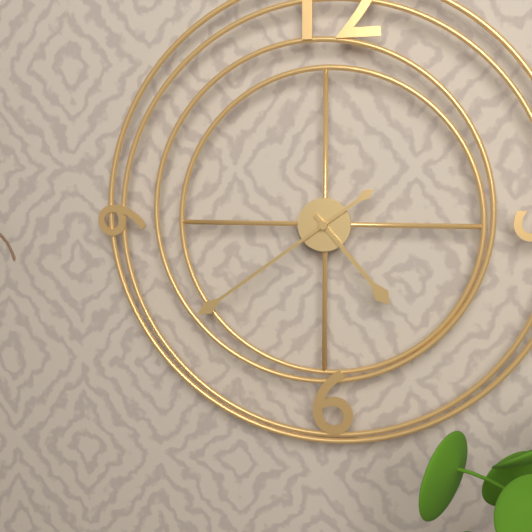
4:39
